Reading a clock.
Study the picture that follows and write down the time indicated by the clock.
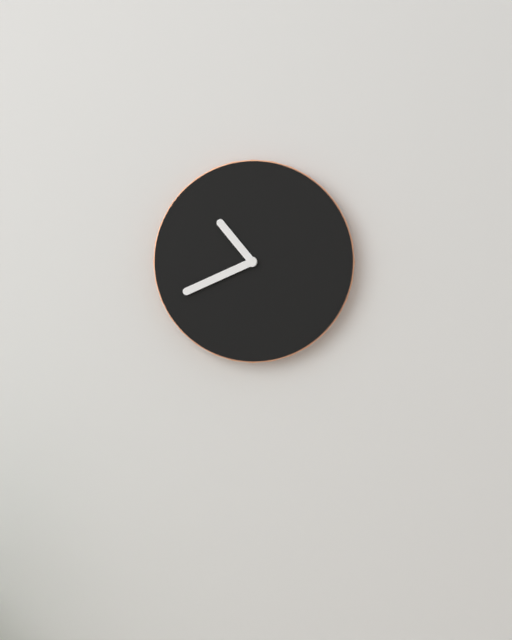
10:41
